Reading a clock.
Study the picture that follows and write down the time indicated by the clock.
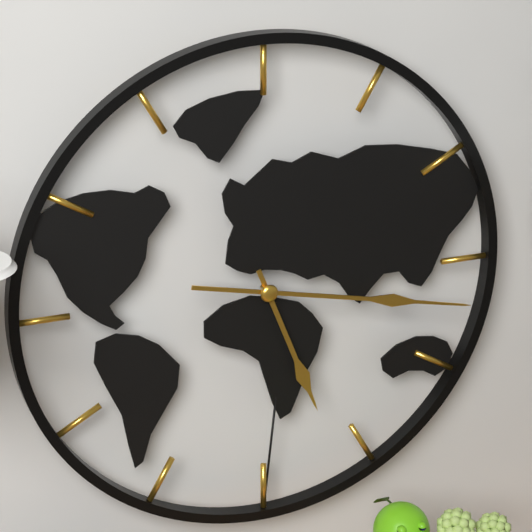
5:17
